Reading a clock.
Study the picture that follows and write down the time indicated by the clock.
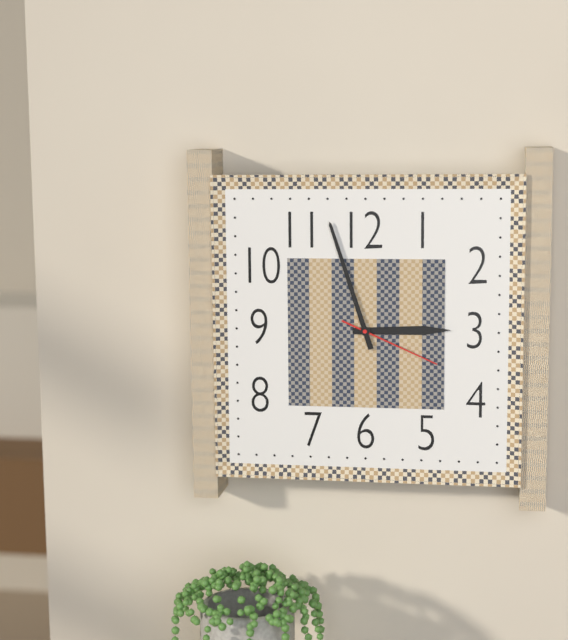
2:57:19
